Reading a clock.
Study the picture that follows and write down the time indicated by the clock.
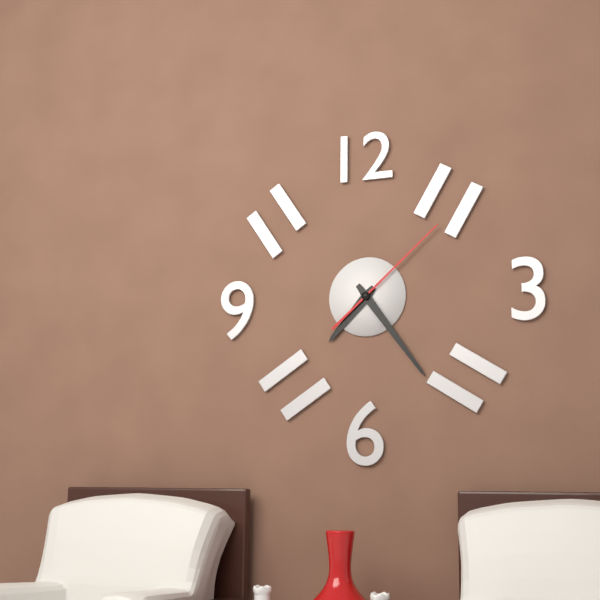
7:24:08
